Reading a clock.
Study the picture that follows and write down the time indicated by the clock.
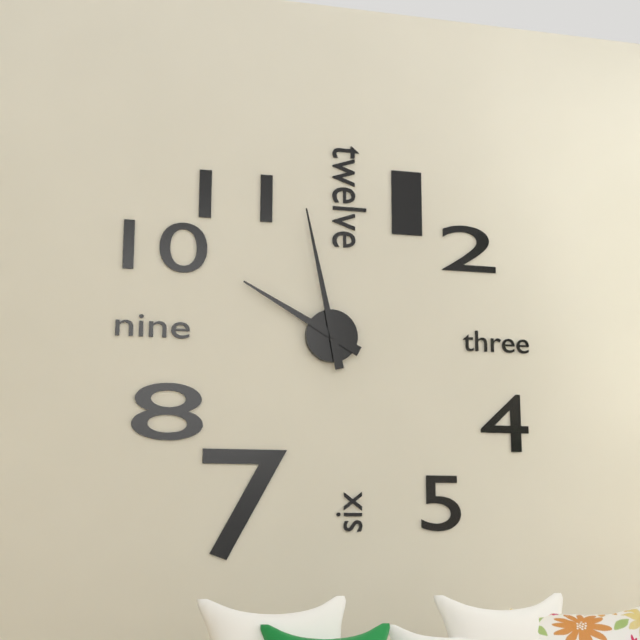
9:58
